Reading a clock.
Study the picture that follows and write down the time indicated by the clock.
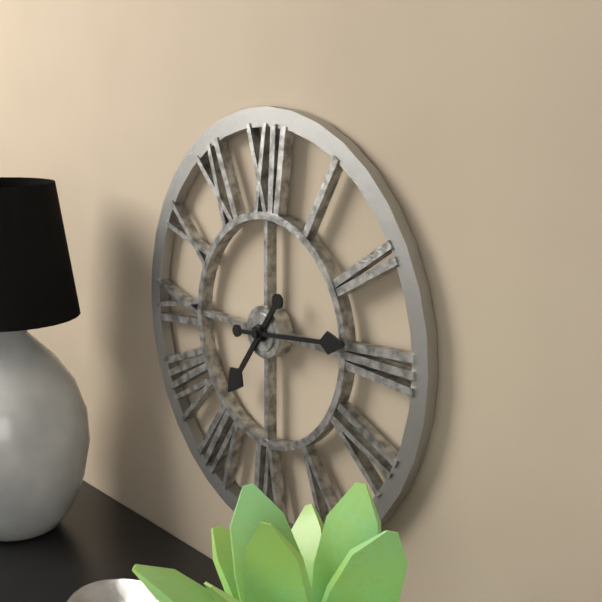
7:14
